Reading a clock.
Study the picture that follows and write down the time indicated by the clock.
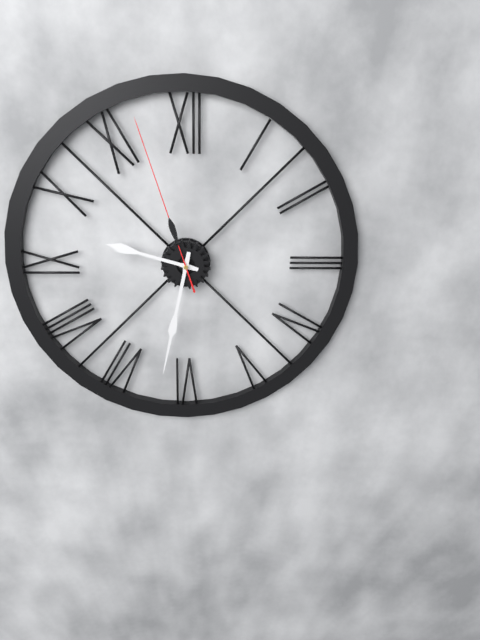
9:32:57
